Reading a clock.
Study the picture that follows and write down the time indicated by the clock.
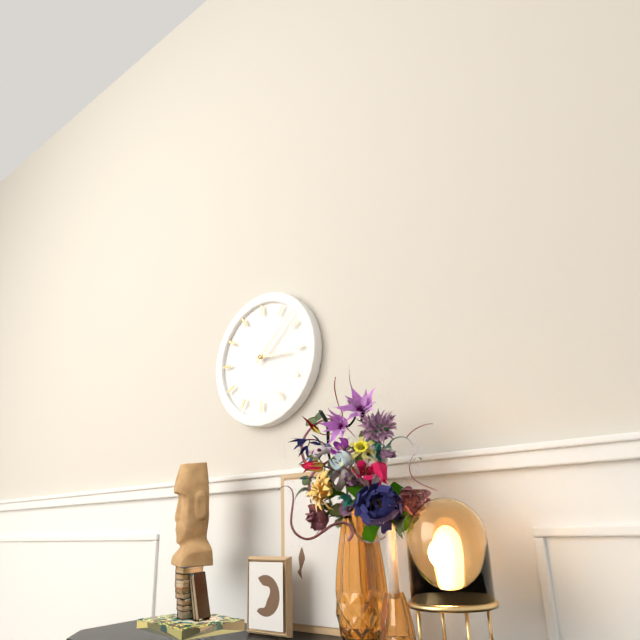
3:08
